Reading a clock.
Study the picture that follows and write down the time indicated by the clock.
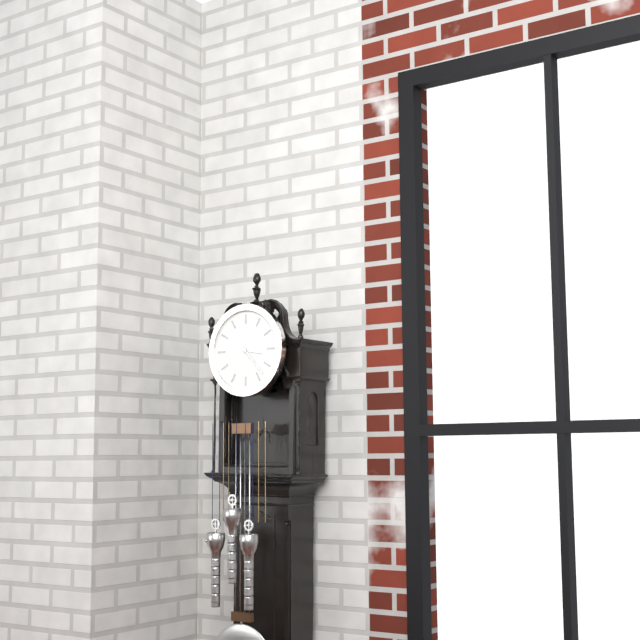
3:23
